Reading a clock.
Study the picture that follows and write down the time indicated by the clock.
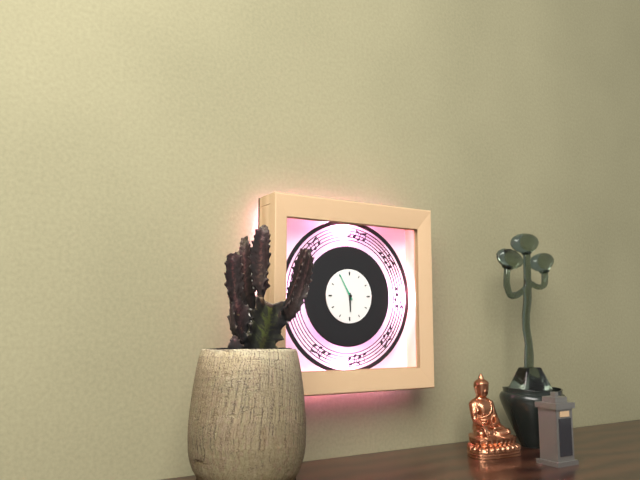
5:55
